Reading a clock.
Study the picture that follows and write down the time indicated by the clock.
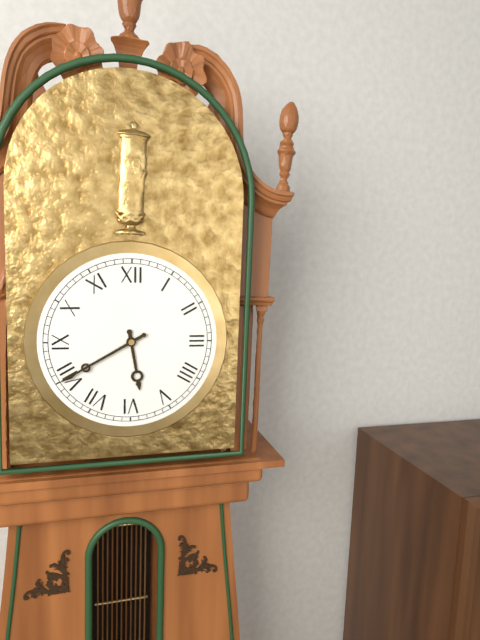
5:40
